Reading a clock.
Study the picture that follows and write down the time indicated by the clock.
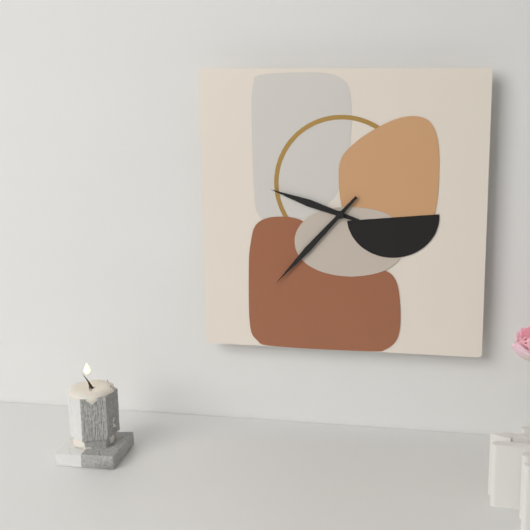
9:37
